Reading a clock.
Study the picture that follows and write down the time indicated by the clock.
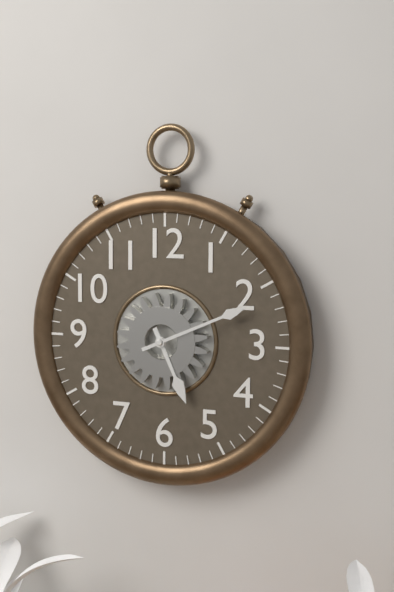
5:11
